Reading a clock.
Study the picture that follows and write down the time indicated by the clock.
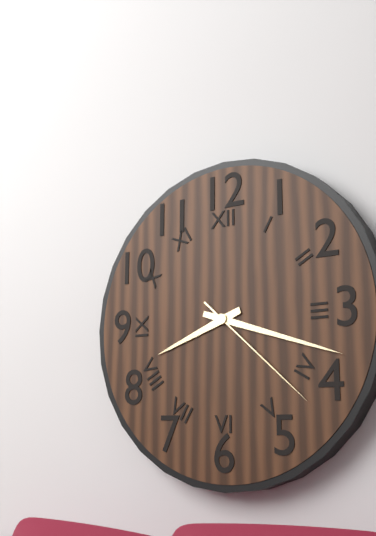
8:18:22
